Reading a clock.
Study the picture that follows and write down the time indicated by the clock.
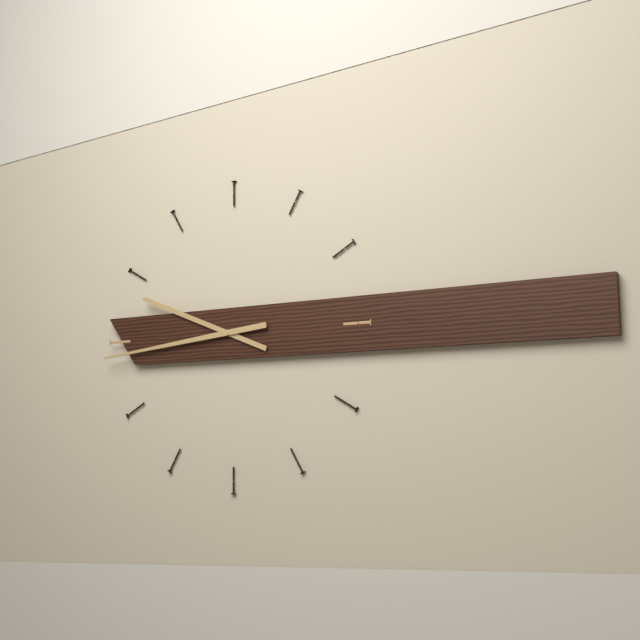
9:44
